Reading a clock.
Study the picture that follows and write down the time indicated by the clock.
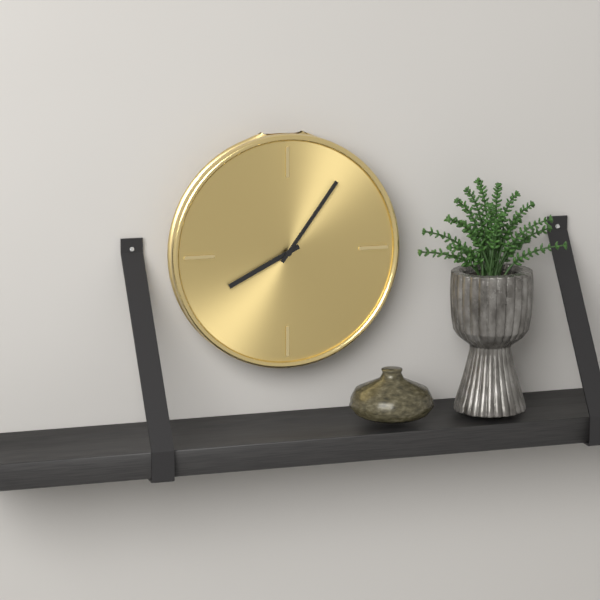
8:06
